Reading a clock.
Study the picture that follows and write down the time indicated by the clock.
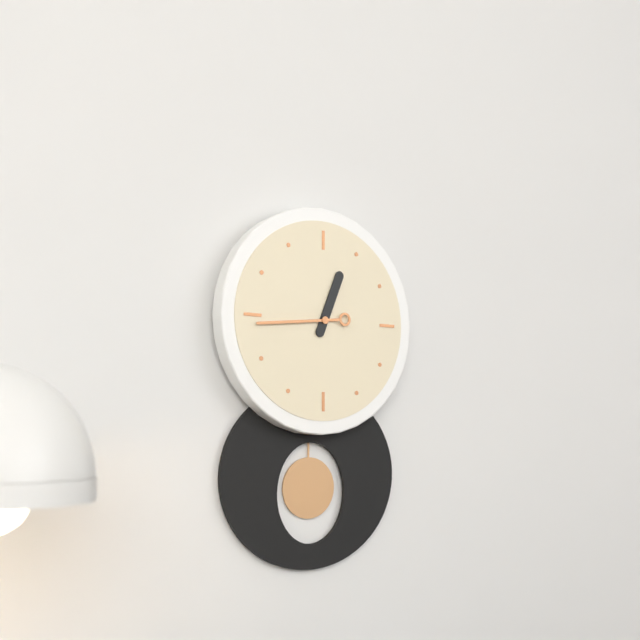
12:44
